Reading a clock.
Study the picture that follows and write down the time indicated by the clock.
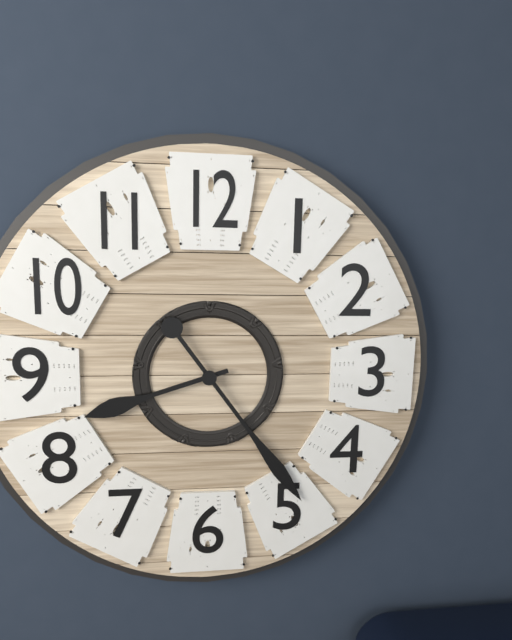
8:24
